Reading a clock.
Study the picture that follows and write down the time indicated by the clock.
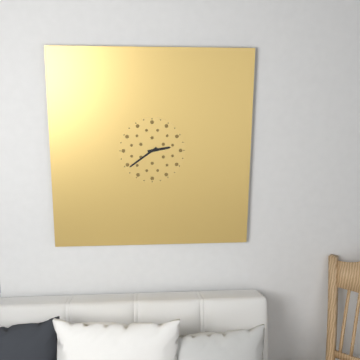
2:39
